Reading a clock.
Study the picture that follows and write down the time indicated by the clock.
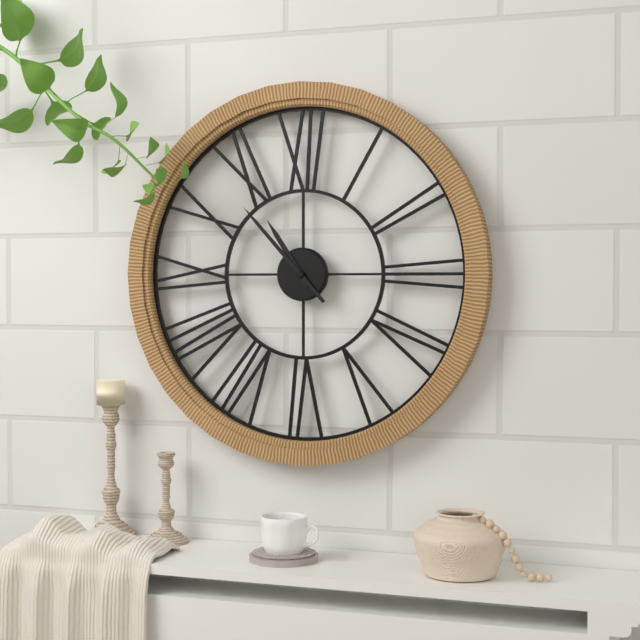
10:53
